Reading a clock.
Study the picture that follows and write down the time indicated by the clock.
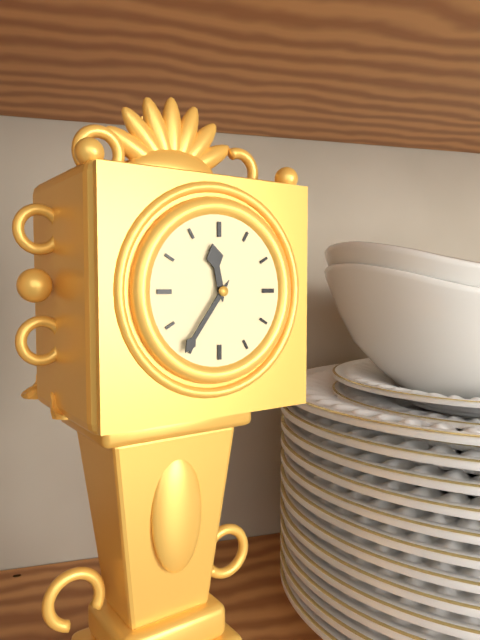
11:36
